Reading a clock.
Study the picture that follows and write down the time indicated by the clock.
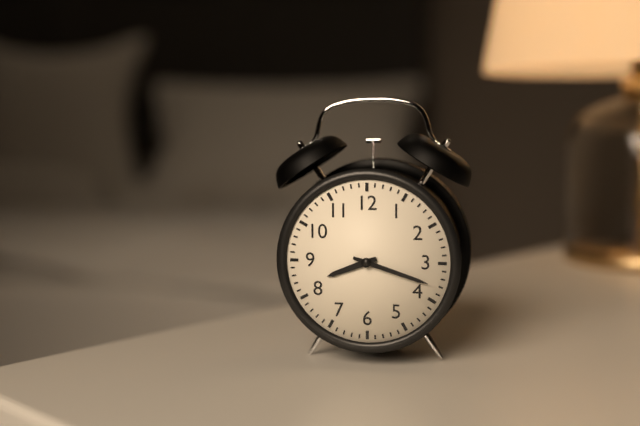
8:18
